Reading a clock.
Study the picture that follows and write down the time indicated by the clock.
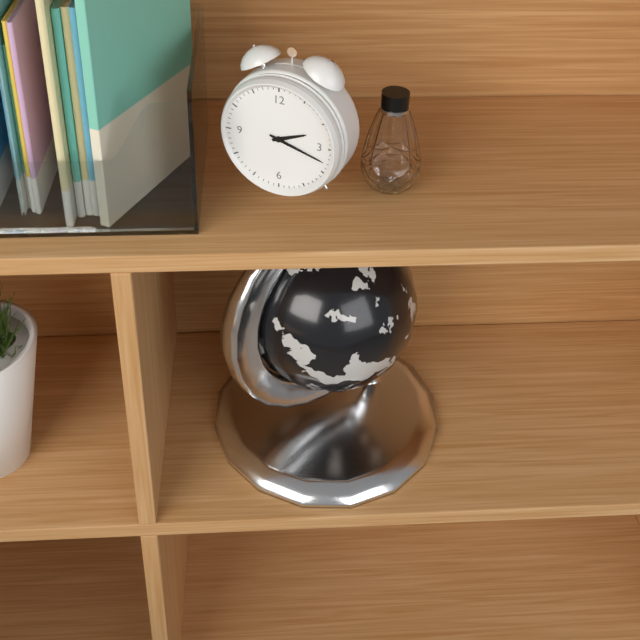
2:18
